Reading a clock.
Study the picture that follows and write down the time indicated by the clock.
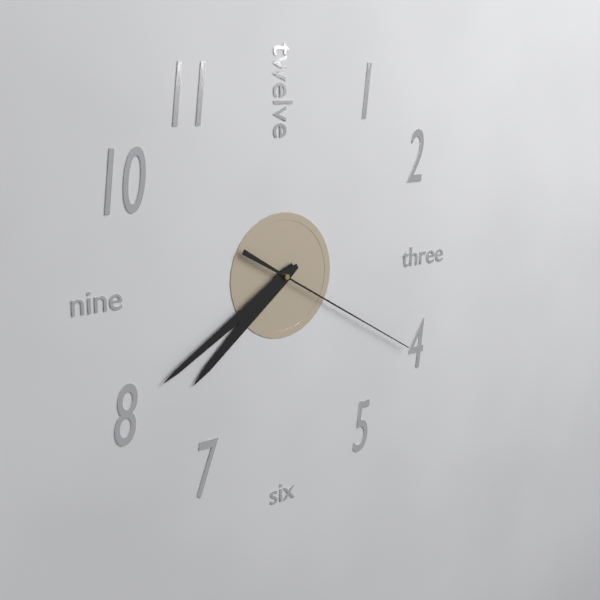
7:40:20
